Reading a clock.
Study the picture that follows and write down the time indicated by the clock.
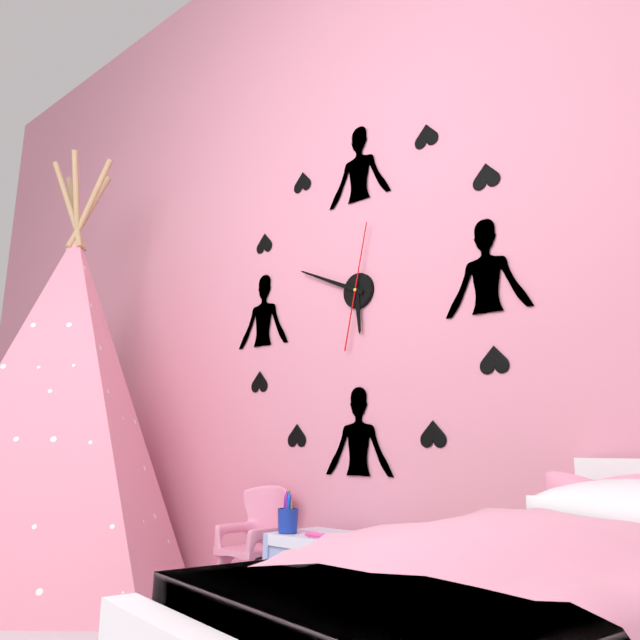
5:49:02
